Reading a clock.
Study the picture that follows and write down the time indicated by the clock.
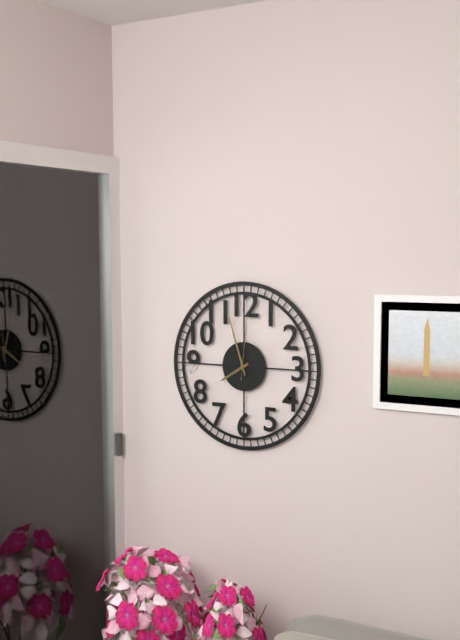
7:57:01
